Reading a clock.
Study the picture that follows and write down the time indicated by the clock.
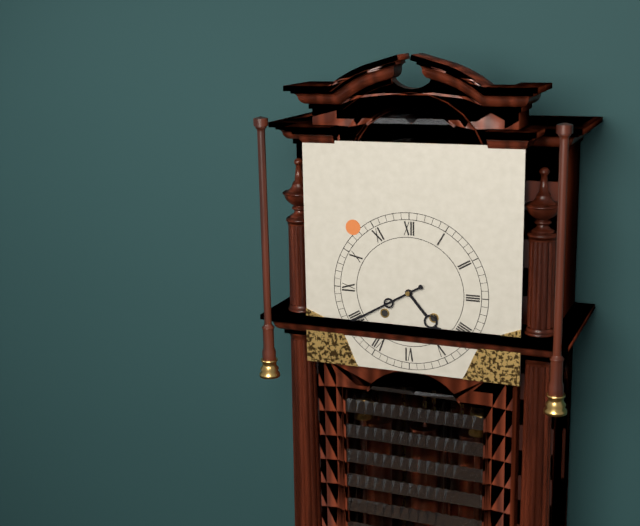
4:40
